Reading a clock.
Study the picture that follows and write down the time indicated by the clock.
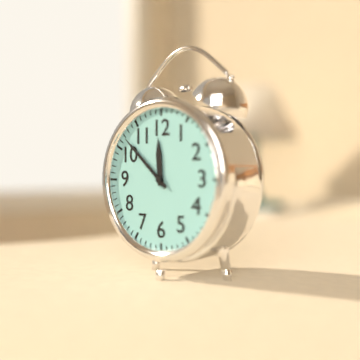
11:52
